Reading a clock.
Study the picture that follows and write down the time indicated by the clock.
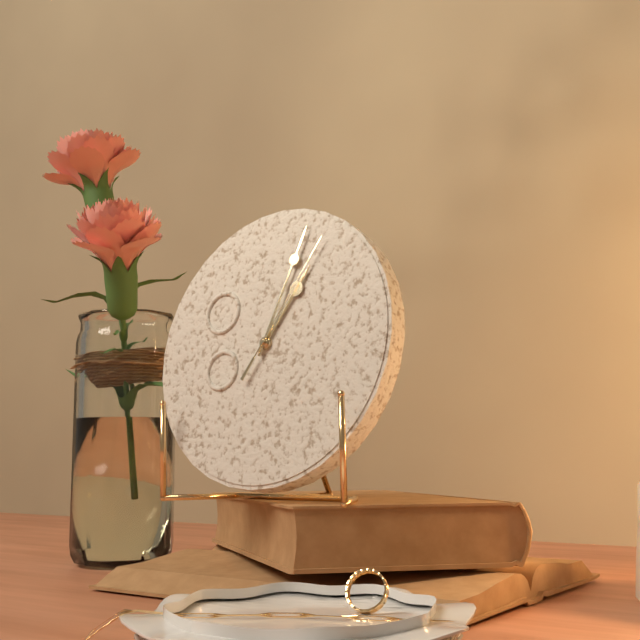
1:03:05
